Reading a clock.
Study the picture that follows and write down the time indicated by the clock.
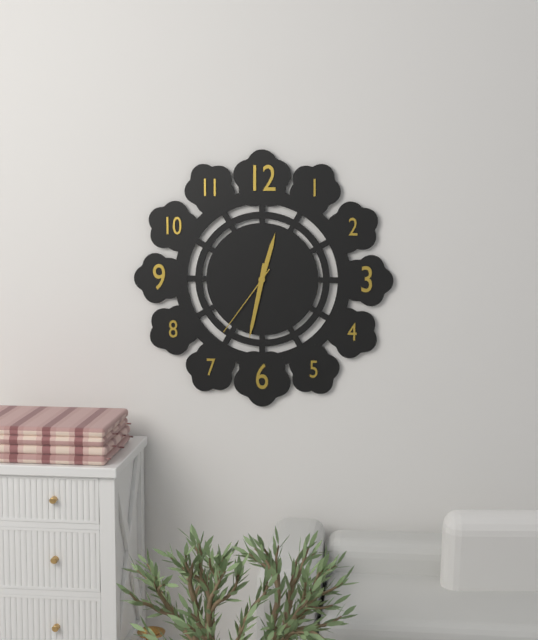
12:32:36
